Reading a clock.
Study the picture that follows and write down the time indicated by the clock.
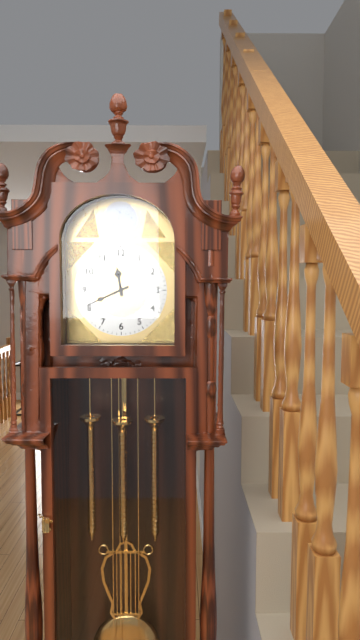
11:41
